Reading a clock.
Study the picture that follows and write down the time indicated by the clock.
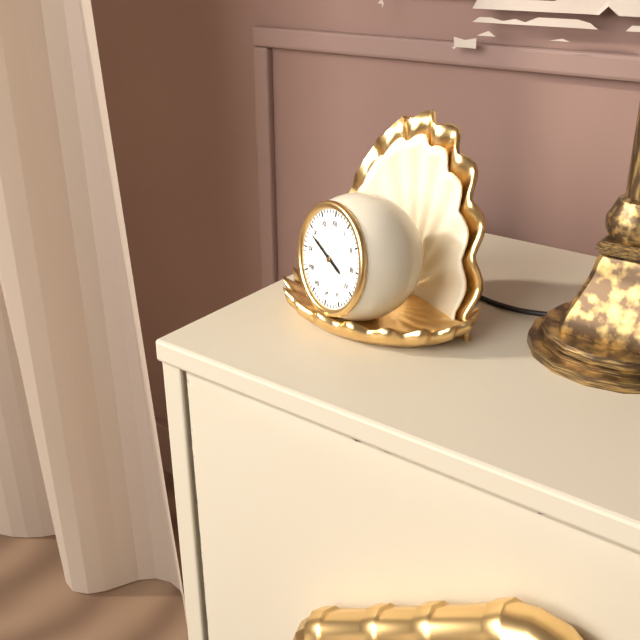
3:49
